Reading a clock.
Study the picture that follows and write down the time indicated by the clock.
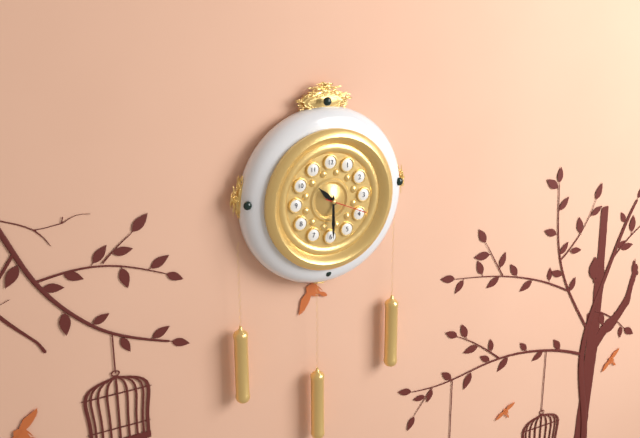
10:30
